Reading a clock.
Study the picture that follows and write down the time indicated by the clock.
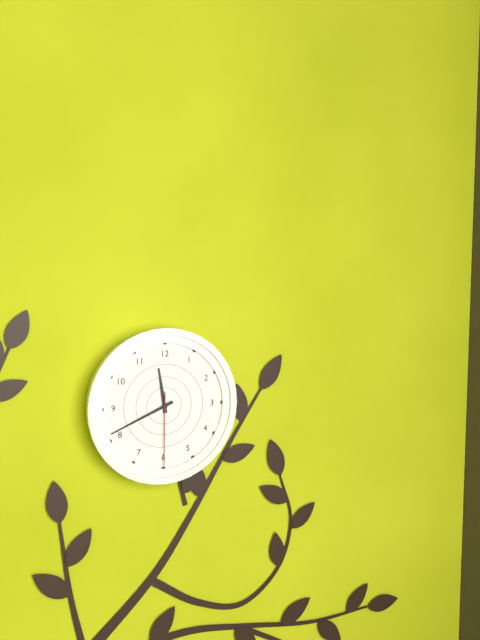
11:41:30
